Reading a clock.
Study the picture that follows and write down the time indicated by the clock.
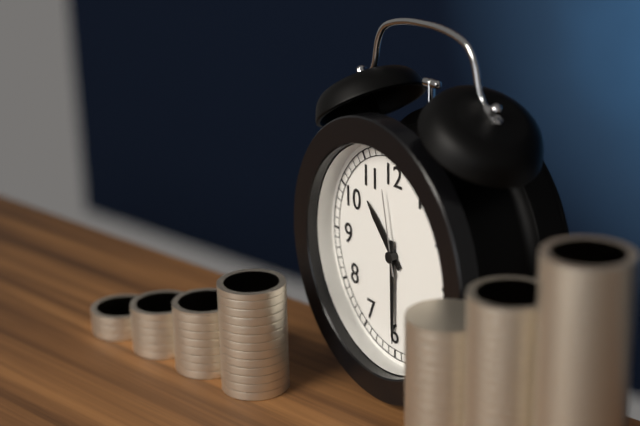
10:30:58
